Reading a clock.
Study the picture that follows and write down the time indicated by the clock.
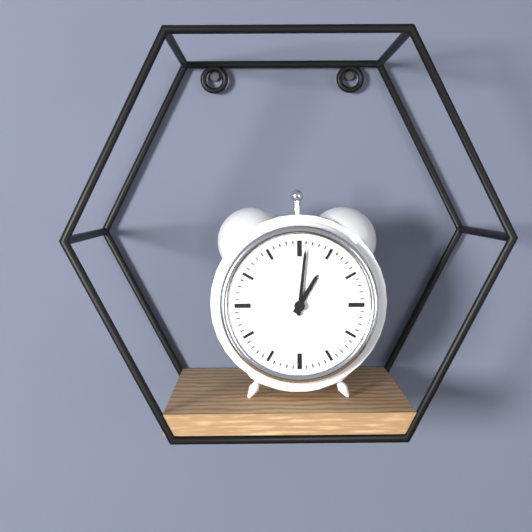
1:01
